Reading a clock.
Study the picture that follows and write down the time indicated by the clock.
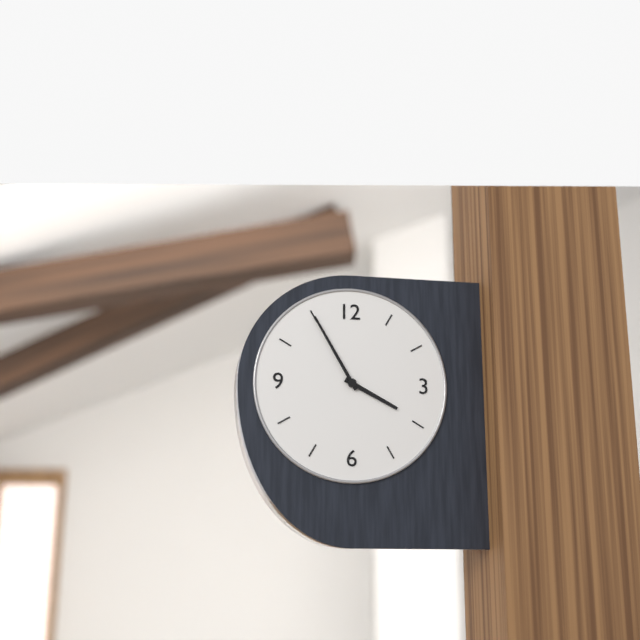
3:55
